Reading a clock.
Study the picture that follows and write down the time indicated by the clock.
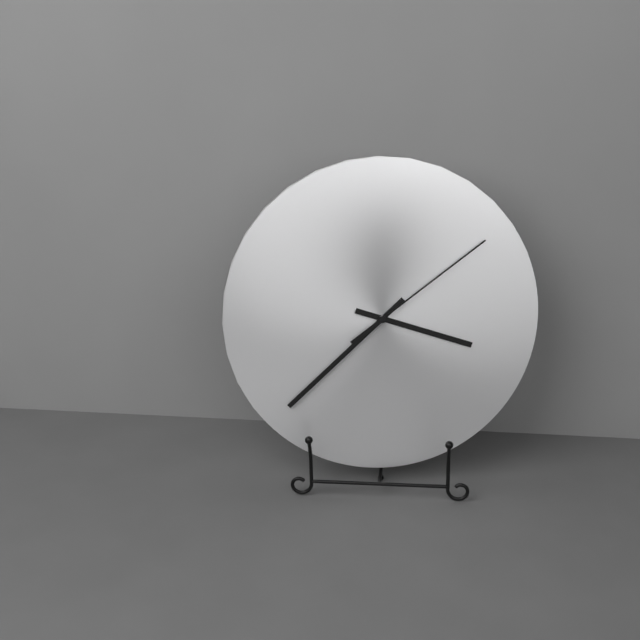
3:38:09
